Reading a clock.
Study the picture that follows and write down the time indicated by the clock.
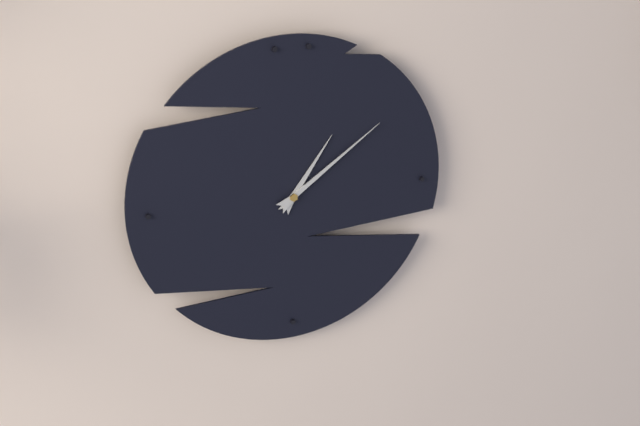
1:09
